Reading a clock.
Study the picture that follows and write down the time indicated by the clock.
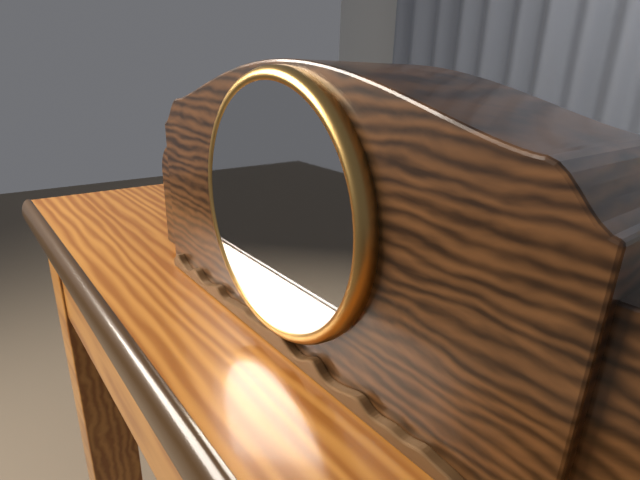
6:35
